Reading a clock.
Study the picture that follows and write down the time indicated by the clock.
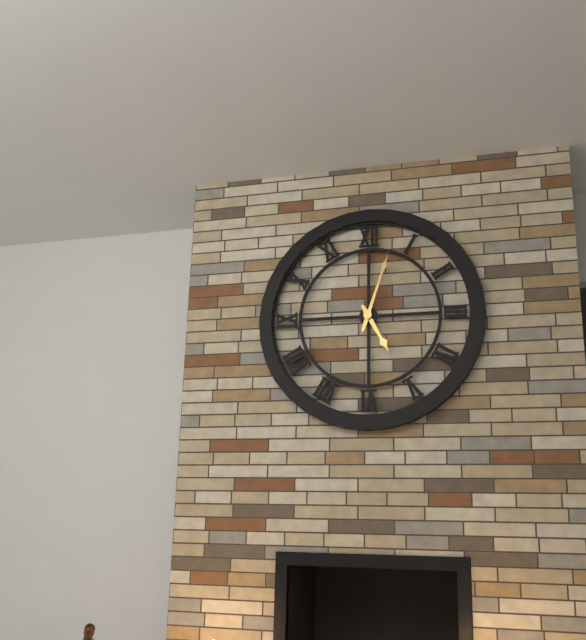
5:03
